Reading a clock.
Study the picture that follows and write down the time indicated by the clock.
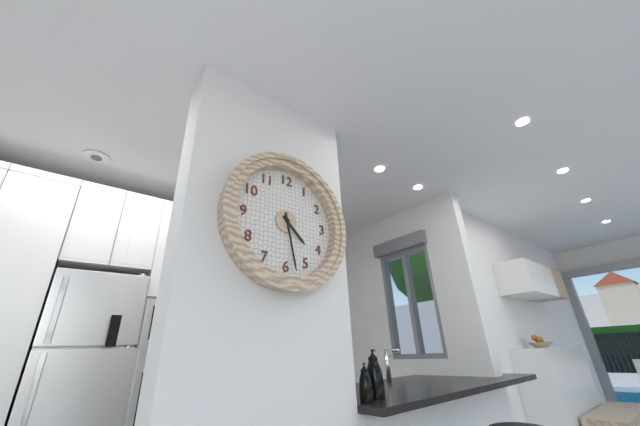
4:28
